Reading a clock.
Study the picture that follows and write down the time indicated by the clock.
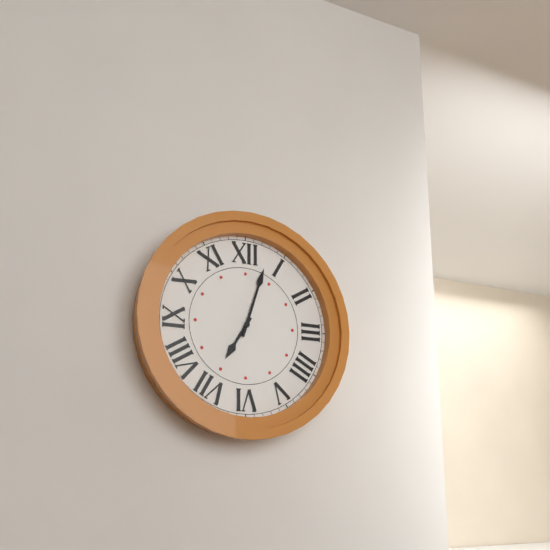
7:03
